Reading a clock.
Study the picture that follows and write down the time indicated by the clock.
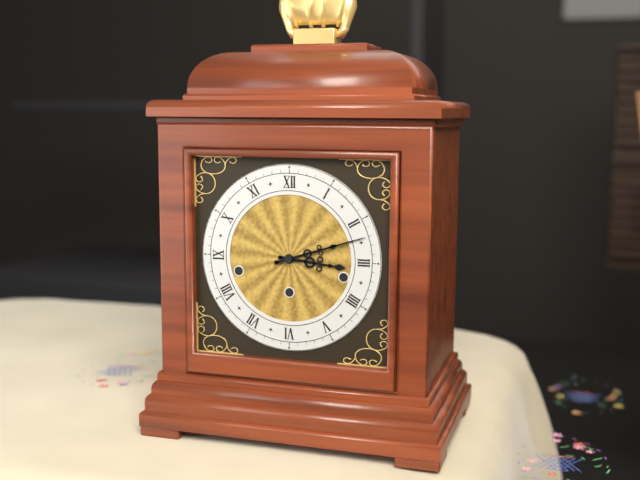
3:12
